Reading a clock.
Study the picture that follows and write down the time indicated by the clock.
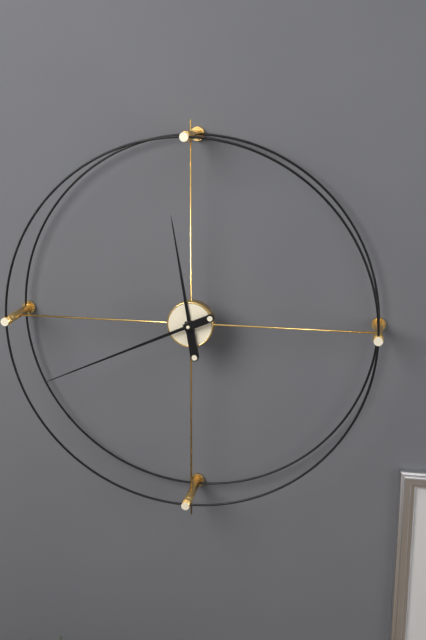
11:41
